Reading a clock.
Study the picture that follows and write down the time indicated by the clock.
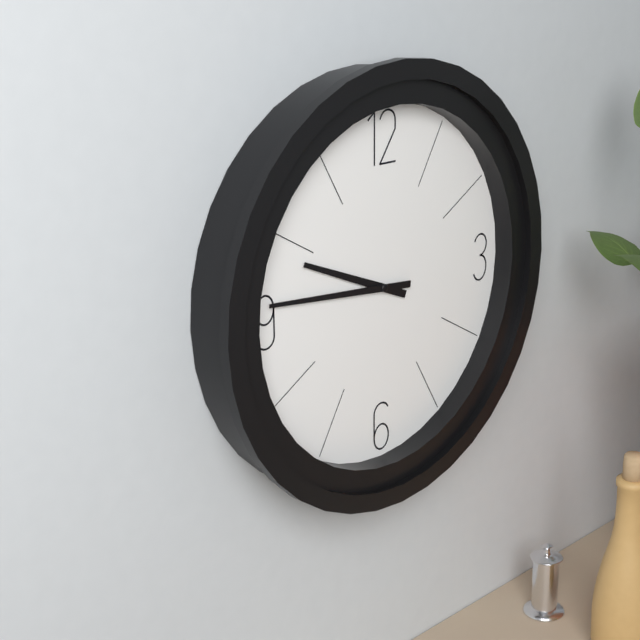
9:46
